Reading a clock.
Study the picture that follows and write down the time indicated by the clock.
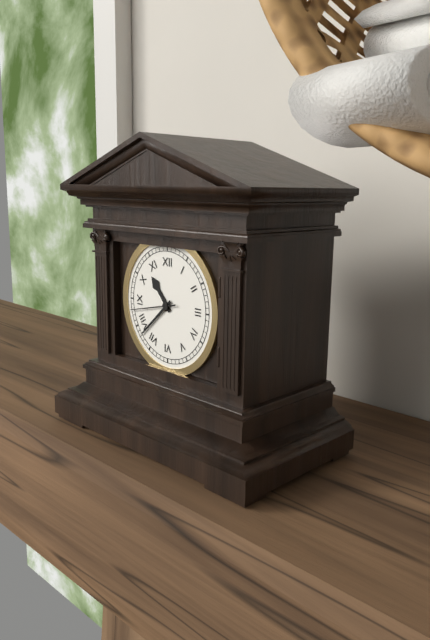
10:38
